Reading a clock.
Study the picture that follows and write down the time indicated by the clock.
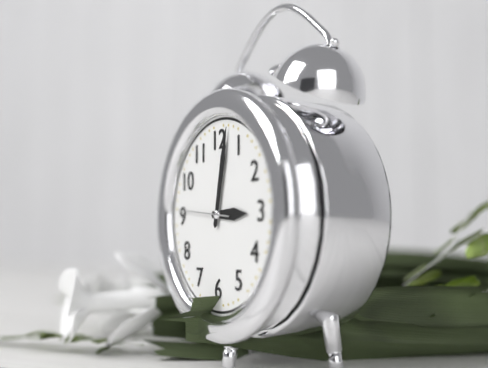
3:02:46
